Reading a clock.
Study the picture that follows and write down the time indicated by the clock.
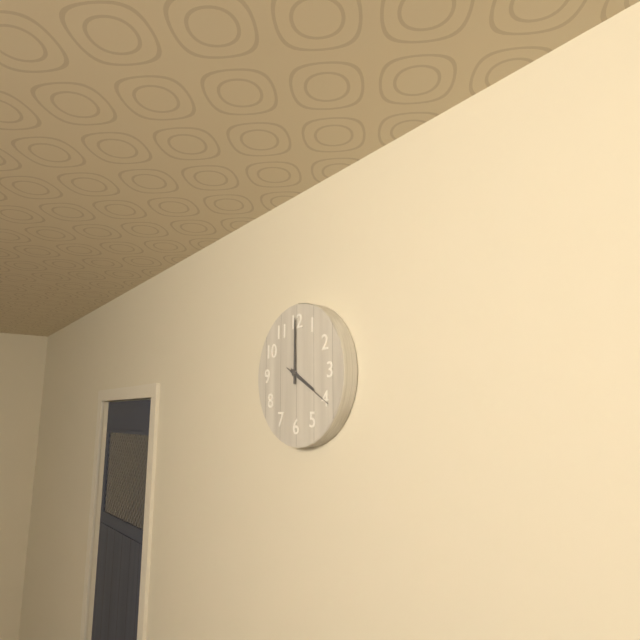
4:00:20
